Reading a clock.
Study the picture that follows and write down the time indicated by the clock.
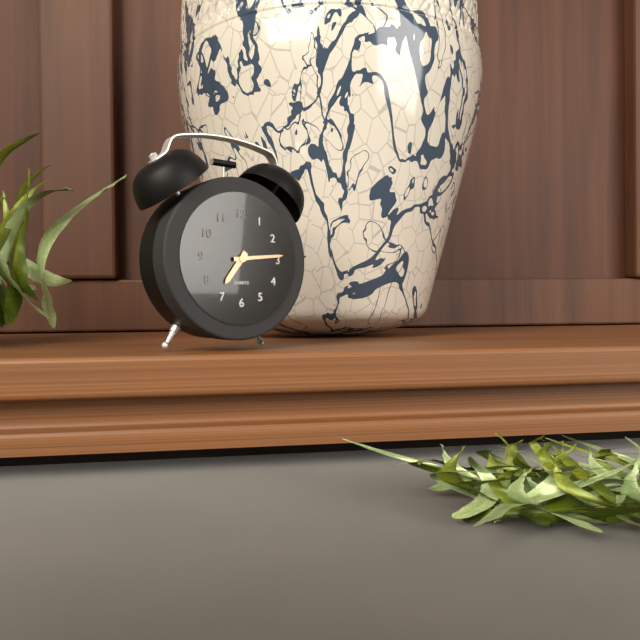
7:14
